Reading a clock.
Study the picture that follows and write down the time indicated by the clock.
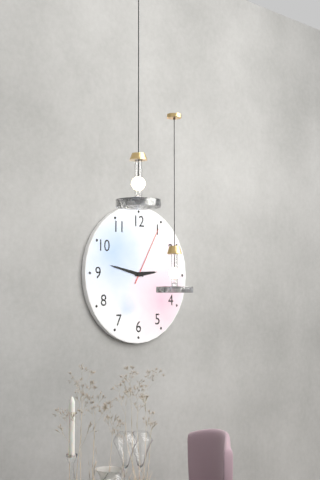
2:47:05
